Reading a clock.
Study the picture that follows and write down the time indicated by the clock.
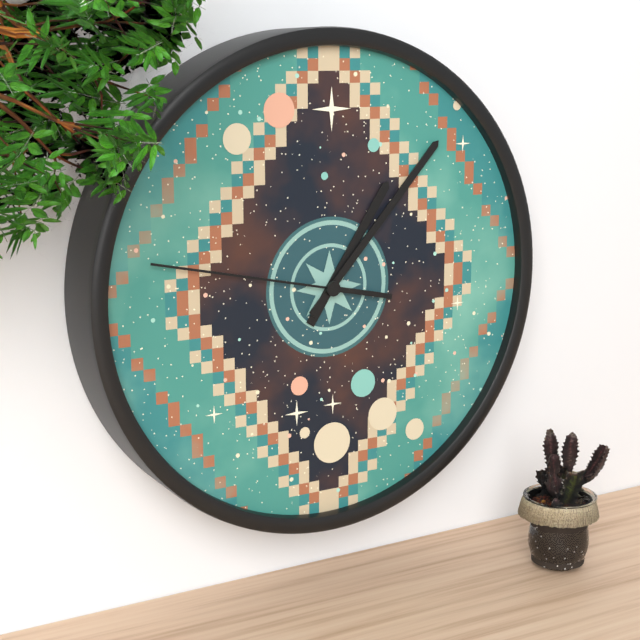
1:07:47
